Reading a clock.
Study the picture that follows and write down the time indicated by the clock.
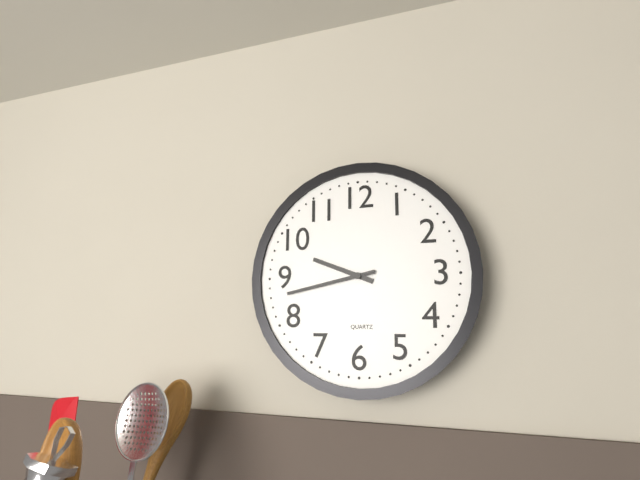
9:43:43
